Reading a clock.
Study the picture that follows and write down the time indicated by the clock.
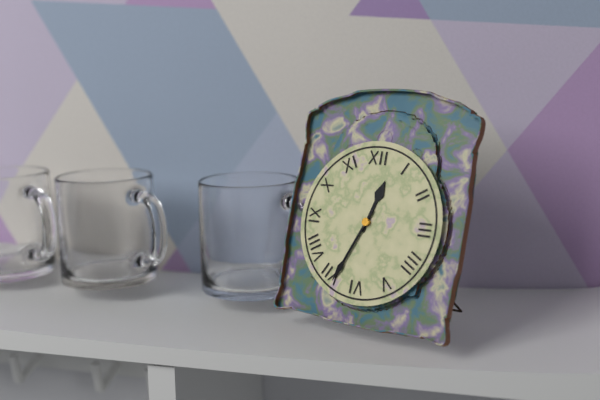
12:34
